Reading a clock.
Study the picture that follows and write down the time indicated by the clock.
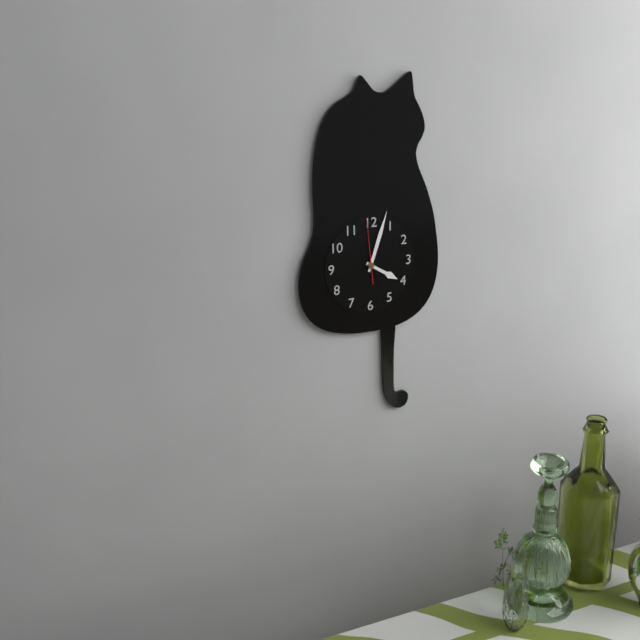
4:03:59
